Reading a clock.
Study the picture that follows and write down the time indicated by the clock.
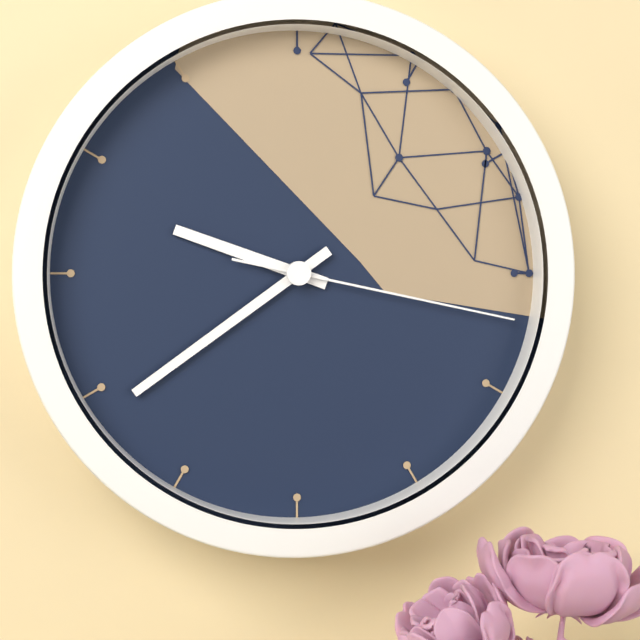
9:39:17
